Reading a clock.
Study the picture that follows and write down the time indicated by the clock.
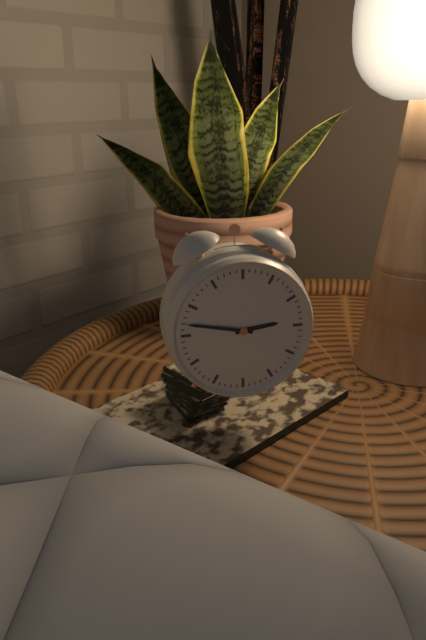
2:47
